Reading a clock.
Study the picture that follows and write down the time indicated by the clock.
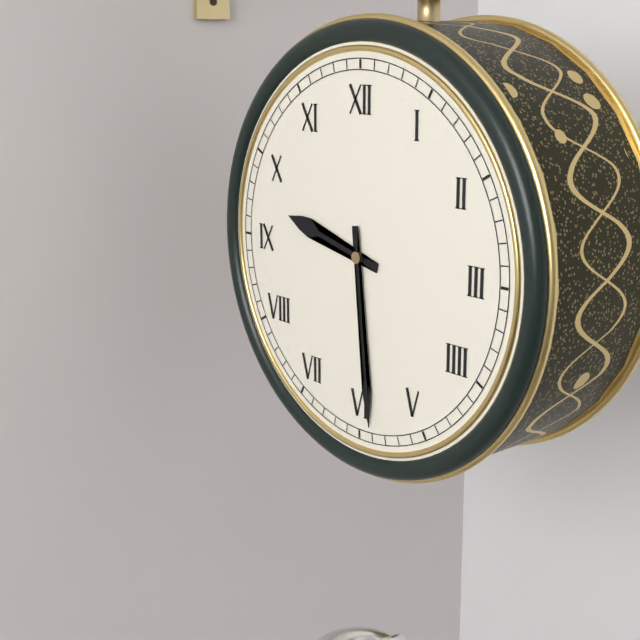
9:29
